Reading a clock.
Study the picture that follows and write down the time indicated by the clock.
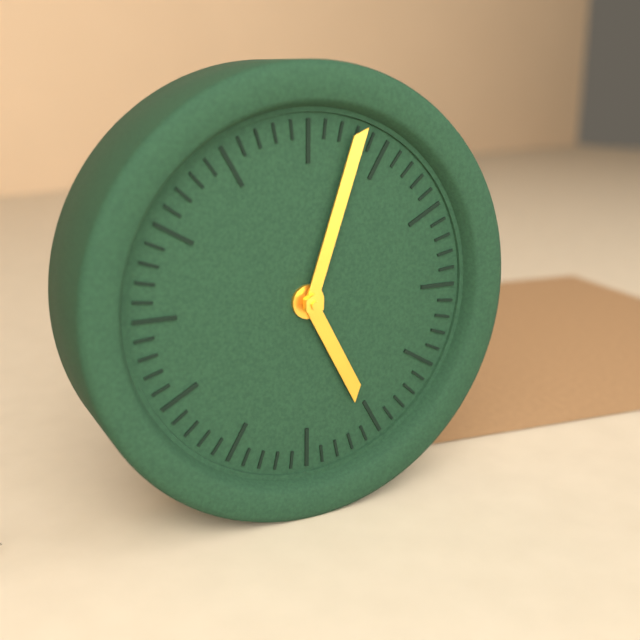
5:03
